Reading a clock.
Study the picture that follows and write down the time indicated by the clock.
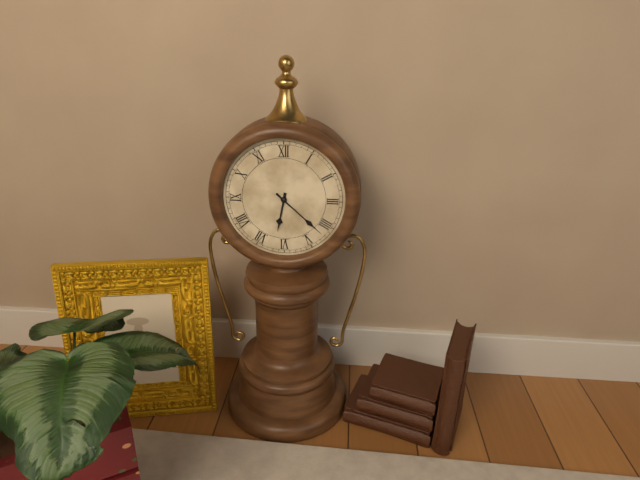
6:22
